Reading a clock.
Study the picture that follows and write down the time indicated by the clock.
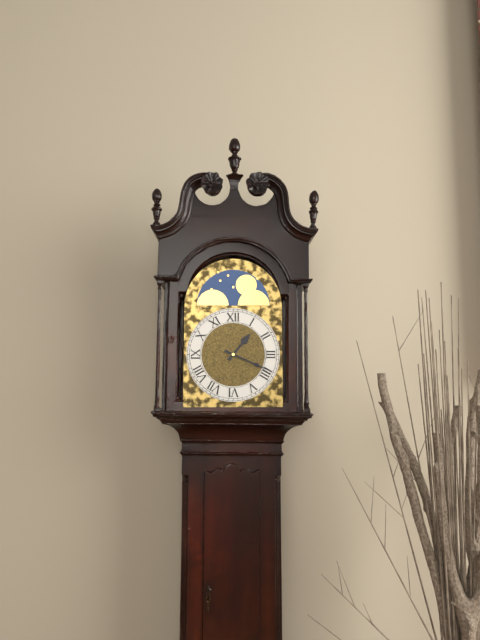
1:19
